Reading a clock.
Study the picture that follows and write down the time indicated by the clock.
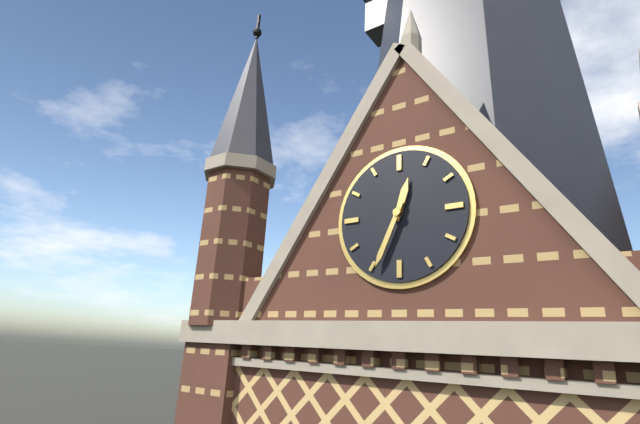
12:34
